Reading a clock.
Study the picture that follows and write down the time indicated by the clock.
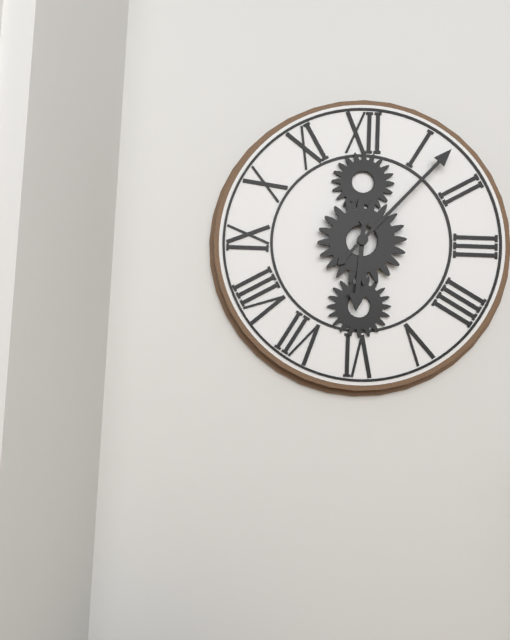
6:07
